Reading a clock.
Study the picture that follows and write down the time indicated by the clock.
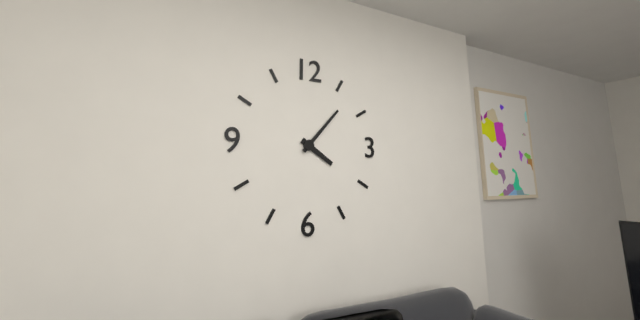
4:07
